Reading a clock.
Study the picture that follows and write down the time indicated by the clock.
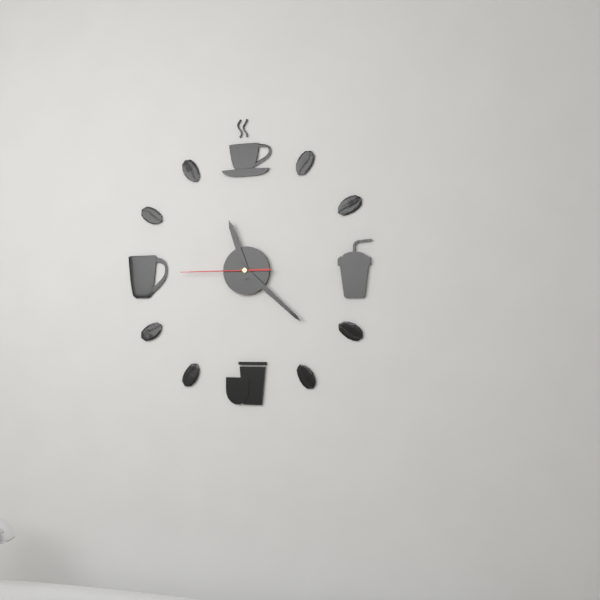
11:22:45
